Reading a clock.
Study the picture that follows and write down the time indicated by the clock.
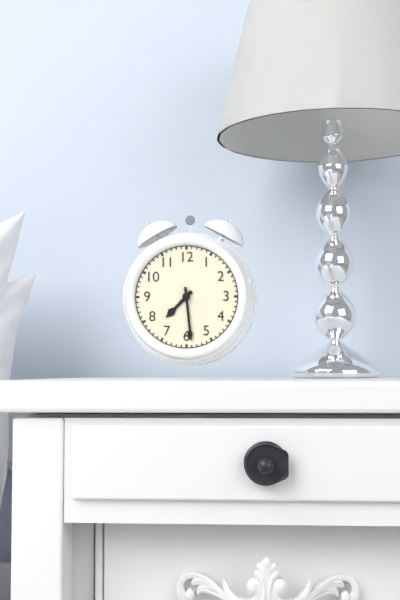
7:29
